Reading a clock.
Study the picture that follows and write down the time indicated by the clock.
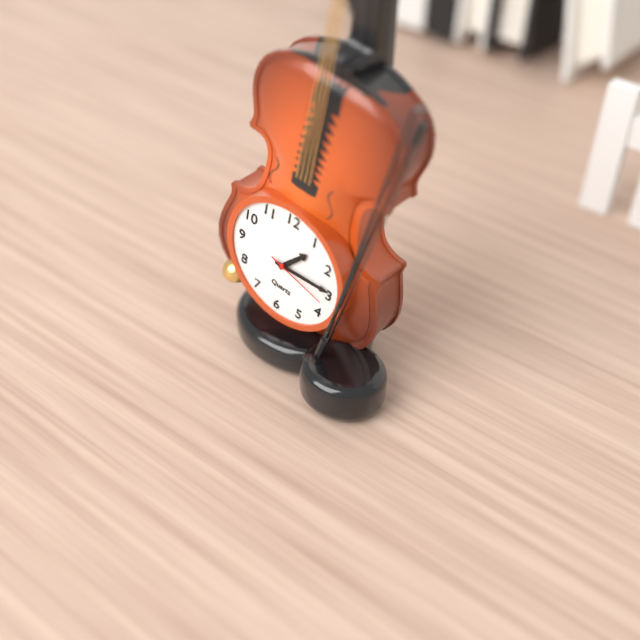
1:14:17
